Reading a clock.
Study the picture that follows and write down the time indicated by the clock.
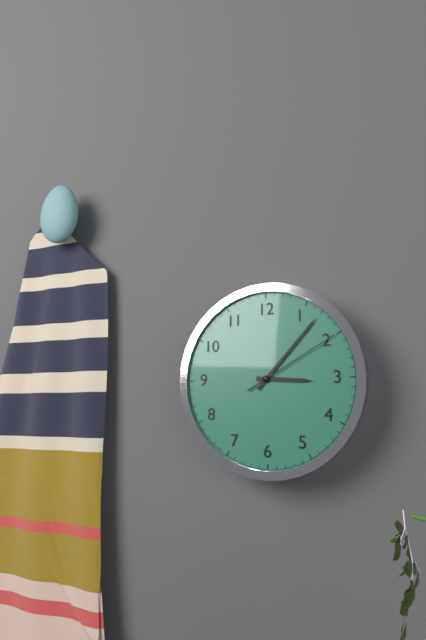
3:07:10
